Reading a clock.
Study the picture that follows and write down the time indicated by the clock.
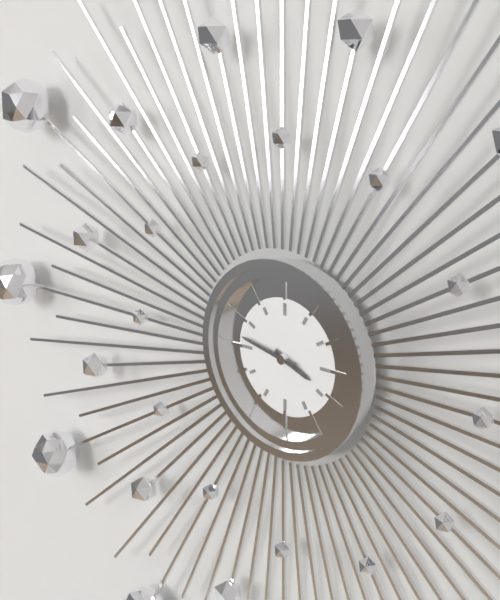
3:47
